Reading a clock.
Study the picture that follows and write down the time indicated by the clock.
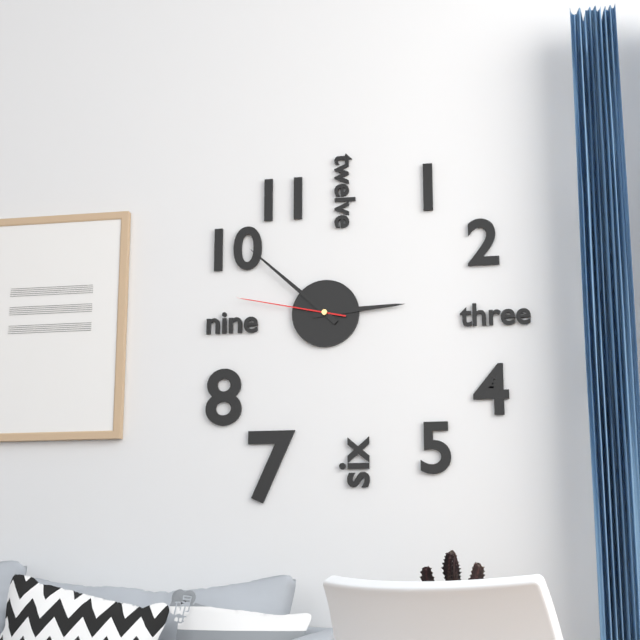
2:52:47
